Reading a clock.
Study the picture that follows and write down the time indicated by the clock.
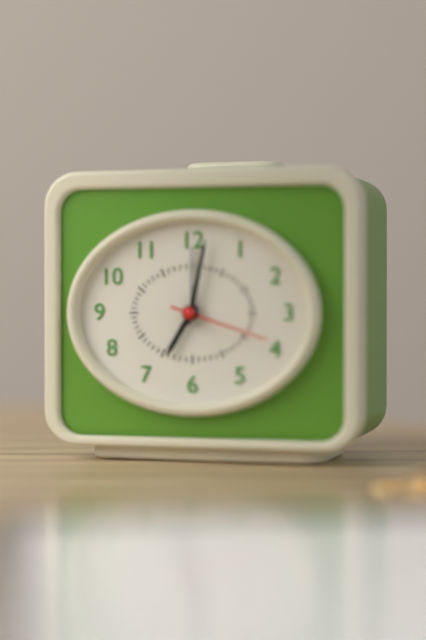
7:02:18
